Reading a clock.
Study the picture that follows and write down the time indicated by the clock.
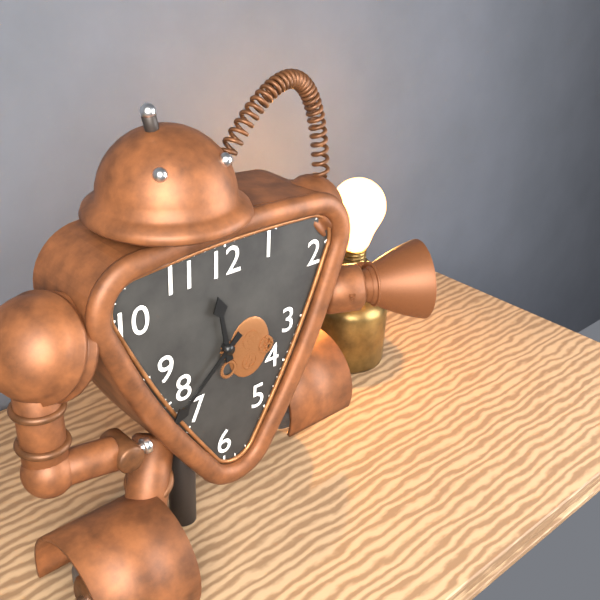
11:38
